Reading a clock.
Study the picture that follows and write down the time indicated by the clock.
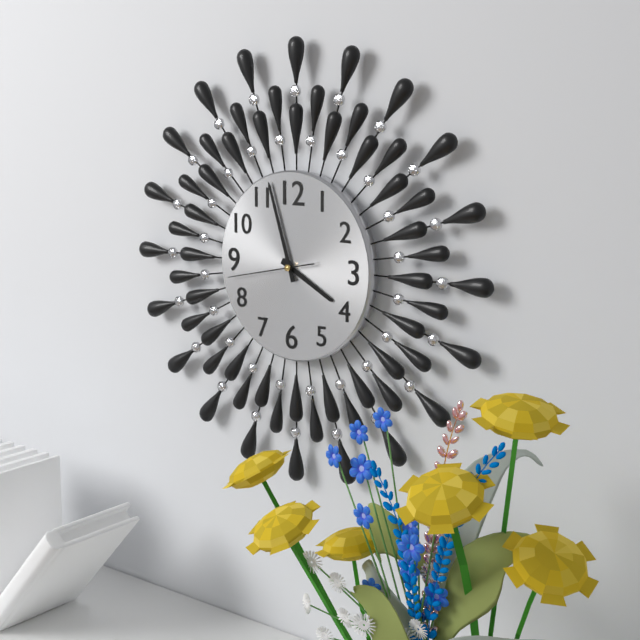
3:57:43
